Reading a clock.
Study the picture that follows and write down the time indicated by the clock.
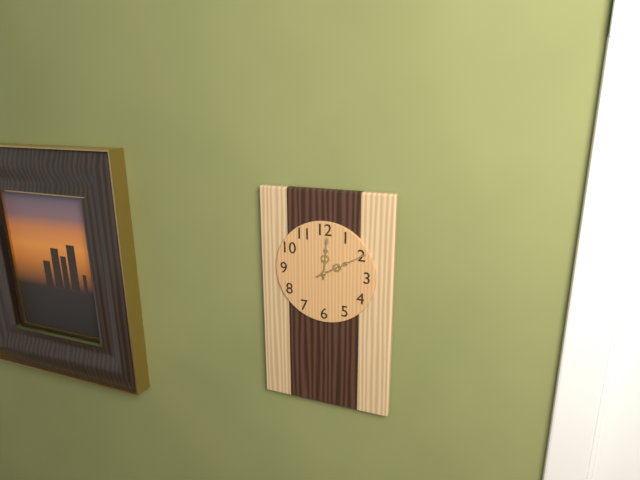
12:10
